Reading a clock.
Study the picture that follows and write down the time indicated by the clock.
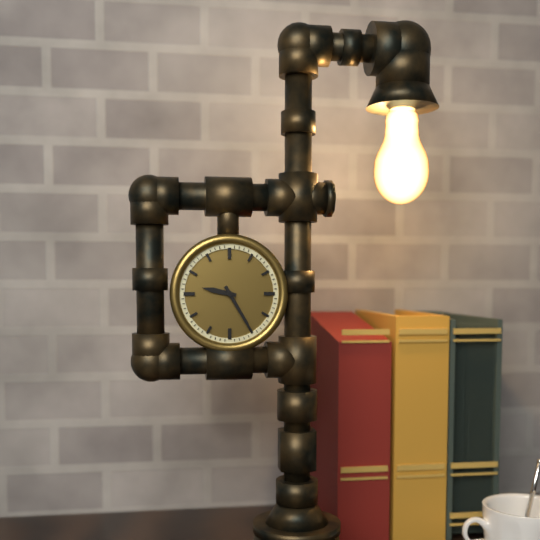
9:25
